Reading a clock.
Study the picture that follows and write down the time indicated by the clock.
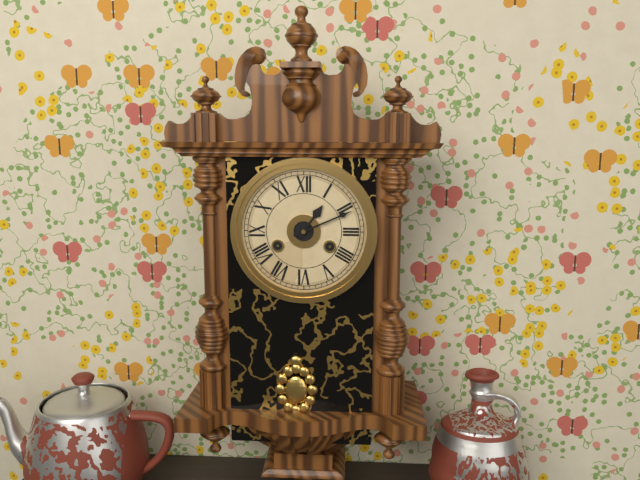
1:11
